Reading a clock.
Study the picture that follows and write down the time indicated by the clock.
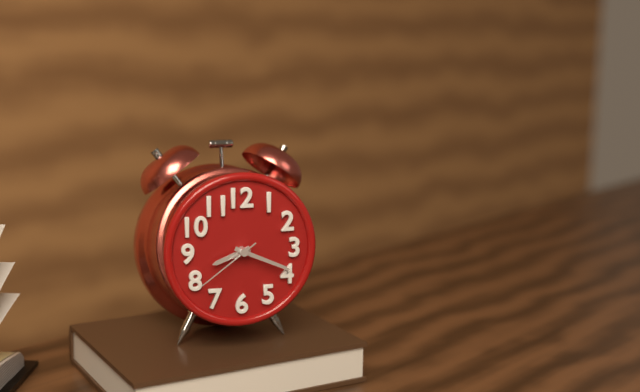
8:19:39
